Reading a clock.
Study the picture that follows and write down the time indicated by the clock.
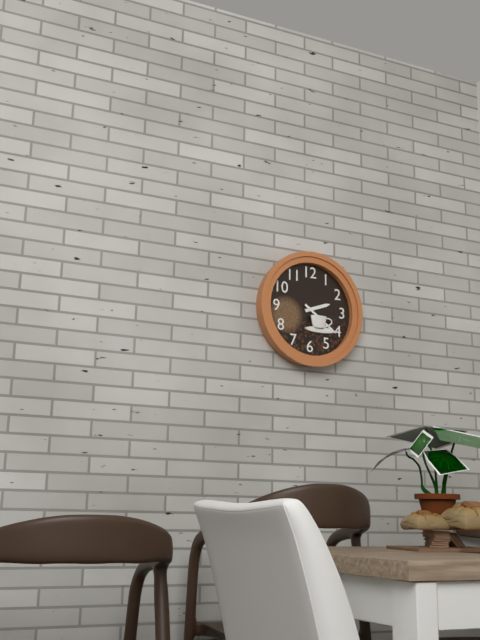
2:21
